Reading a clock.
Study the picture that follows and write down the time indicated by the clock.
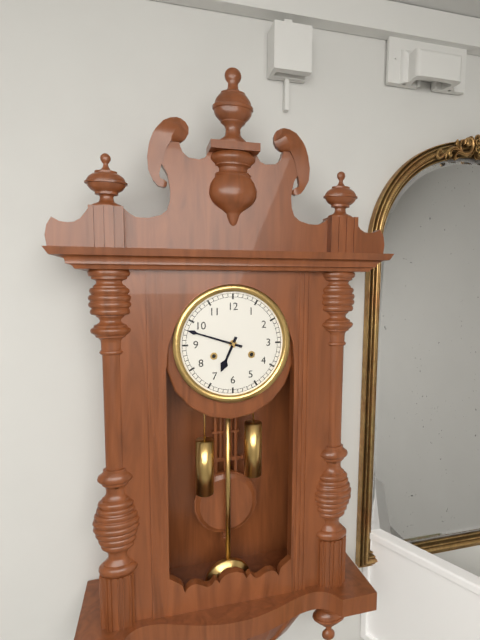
6:48
